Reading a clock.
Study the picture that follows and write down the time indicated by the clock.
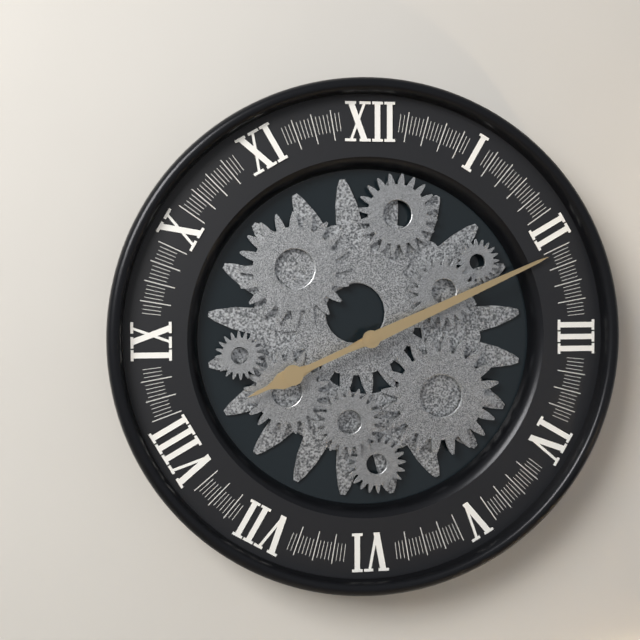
8:11
